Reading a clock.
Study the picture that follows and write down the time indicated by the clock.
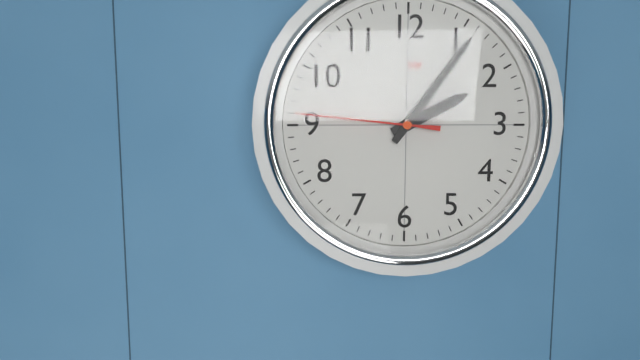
2:06:46
